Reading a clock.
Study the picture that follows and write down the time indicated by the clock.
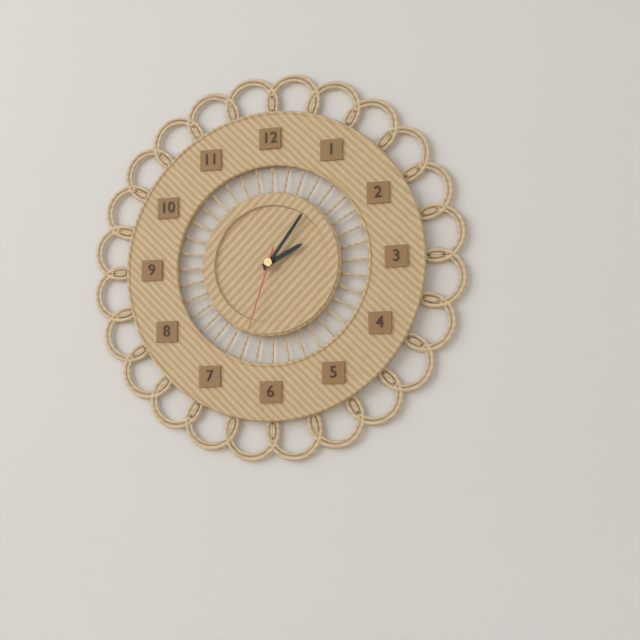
2:06:33
